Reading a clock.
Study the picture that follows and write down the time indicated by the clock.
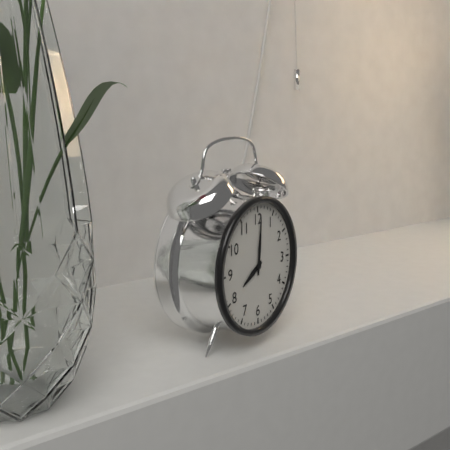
8:01
